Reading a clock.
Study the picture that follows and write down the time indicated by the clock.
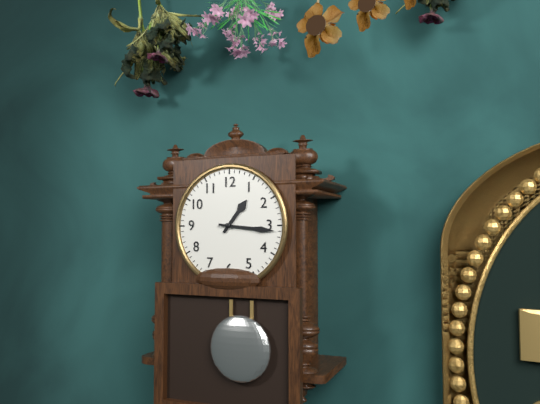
1:16
